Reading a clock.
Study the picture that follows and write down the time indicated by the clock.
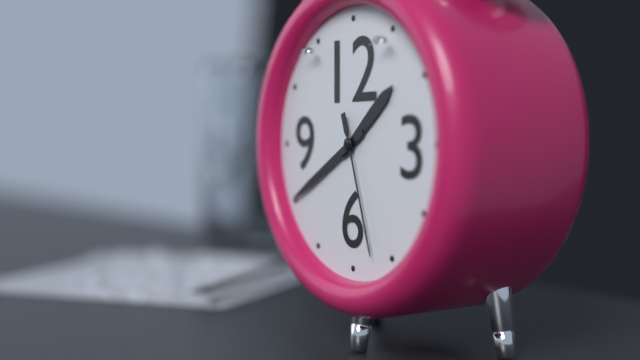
1:40:27
